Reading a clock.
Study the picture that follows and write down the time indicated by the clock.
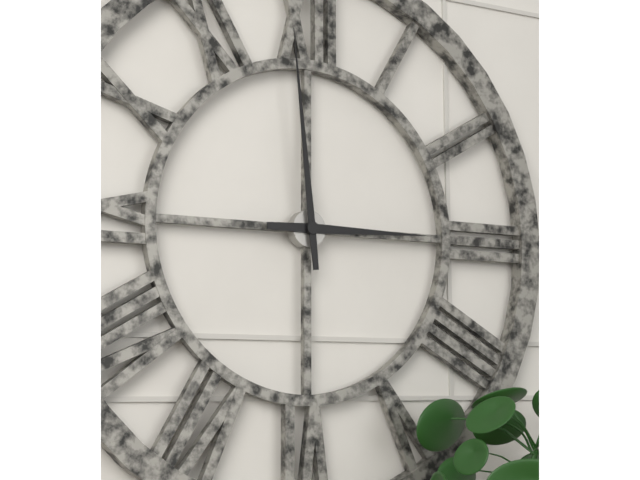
2:59
